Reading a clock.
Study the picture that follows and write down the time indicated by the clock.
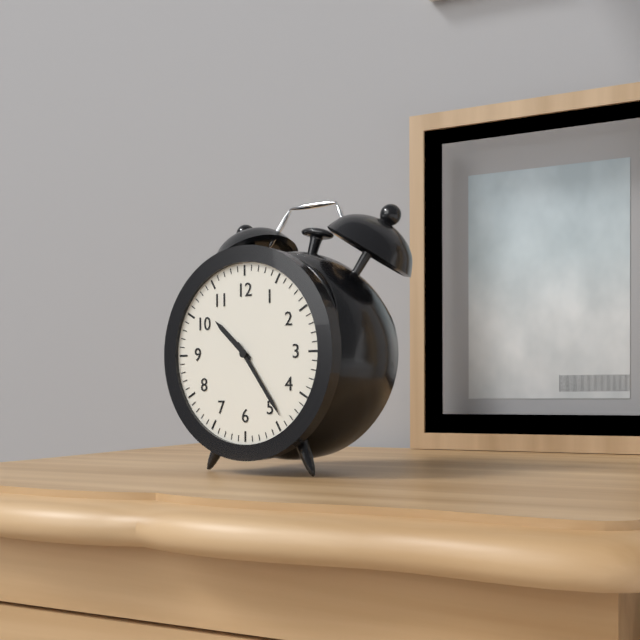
10:24
